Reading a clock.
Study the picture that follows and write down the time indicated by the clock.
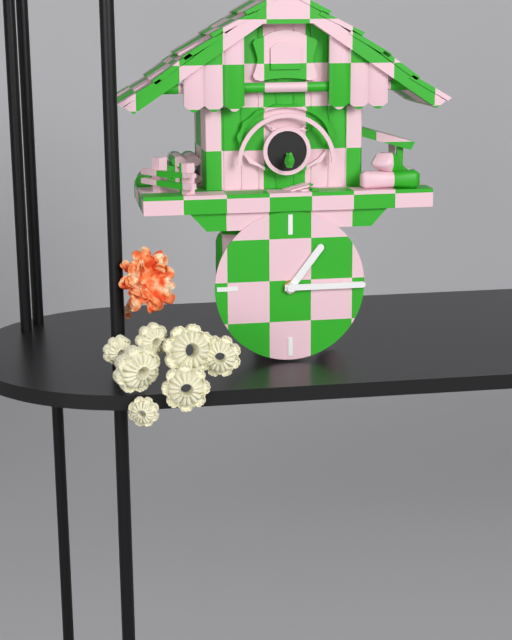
1:15
